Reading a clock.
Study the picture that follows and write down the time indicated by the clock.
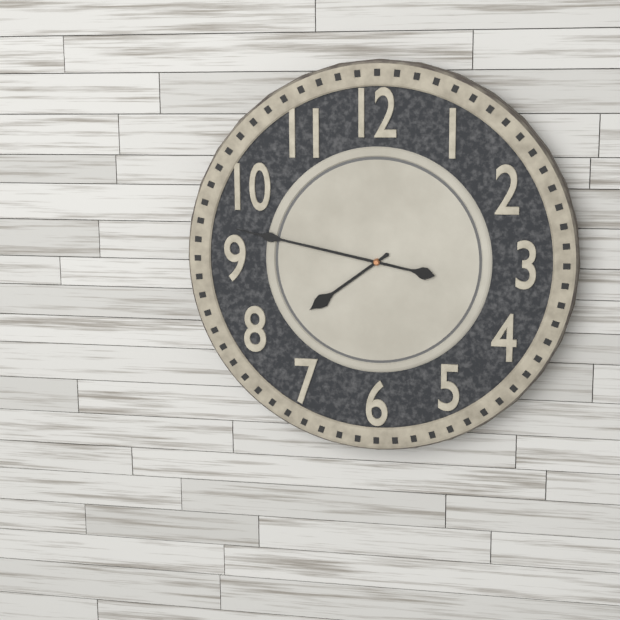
7:47
